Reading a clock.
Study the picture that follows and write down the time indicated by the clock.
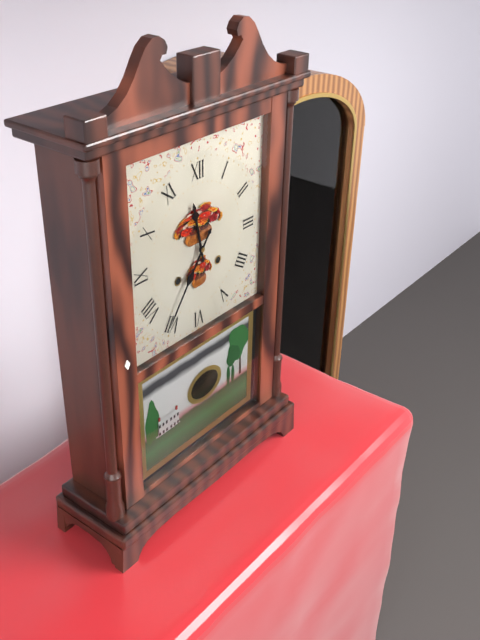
11:36
